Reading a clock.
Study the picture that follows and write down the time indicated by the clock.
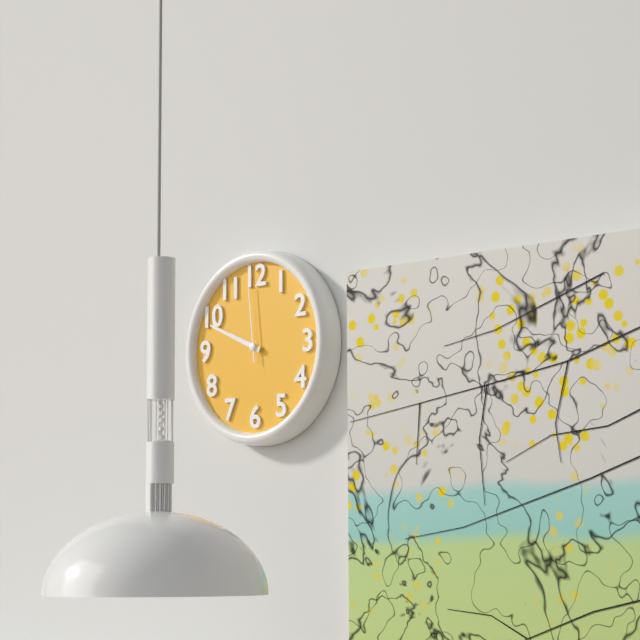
9:49:59
